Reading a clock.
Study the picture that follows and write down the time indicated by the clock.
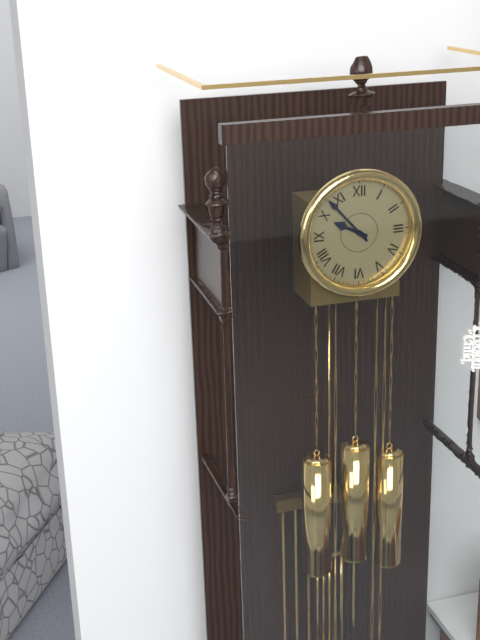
9:53
